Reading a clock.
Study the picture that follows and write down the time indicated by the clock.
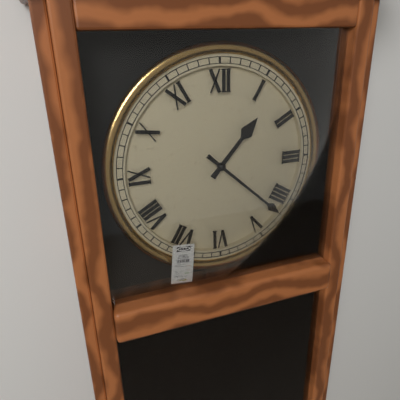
1:22
